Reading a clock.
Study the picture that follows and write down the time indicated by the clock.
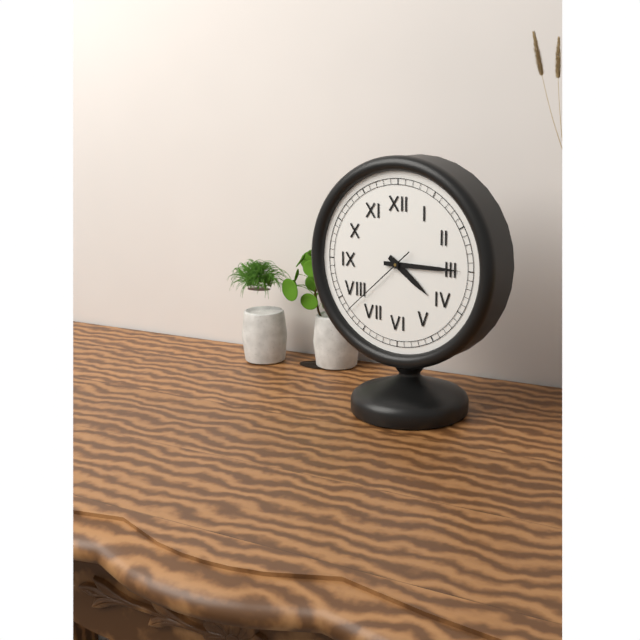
4:15:38
